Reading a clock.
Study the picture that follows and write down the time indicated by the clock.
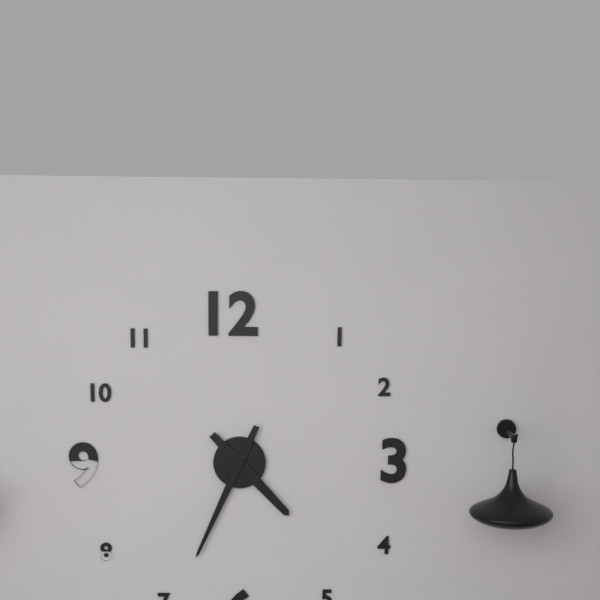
4:34
